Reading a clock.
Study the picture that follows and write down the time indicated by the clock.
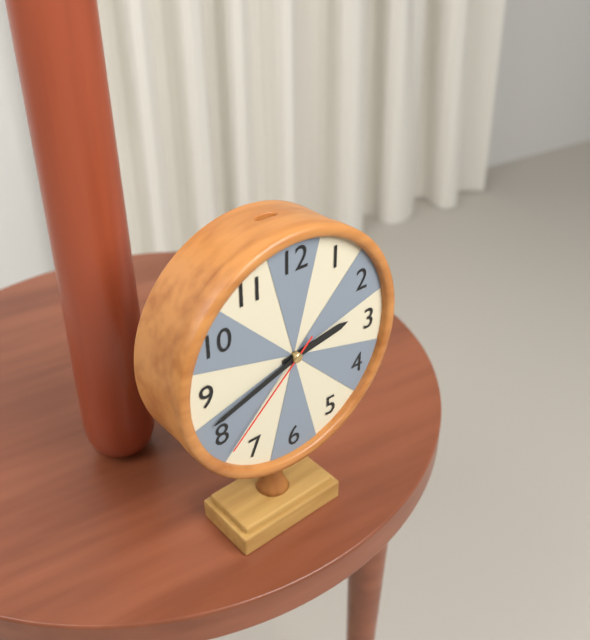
2:42:38
